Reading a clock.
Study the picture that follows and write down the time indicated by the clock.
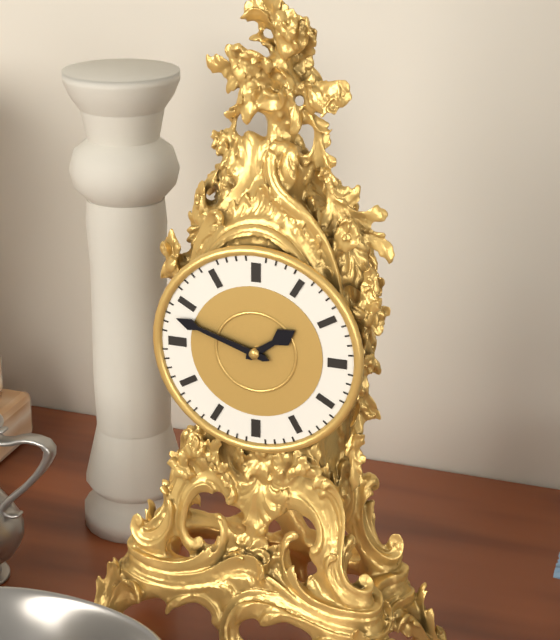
1:48
